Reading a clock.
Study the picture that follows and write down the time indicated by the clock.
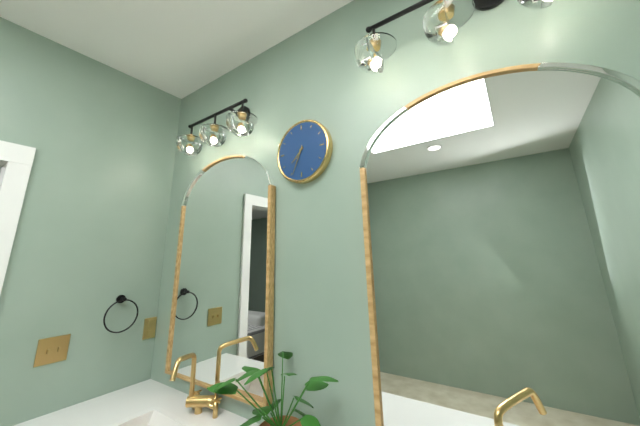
7:34
